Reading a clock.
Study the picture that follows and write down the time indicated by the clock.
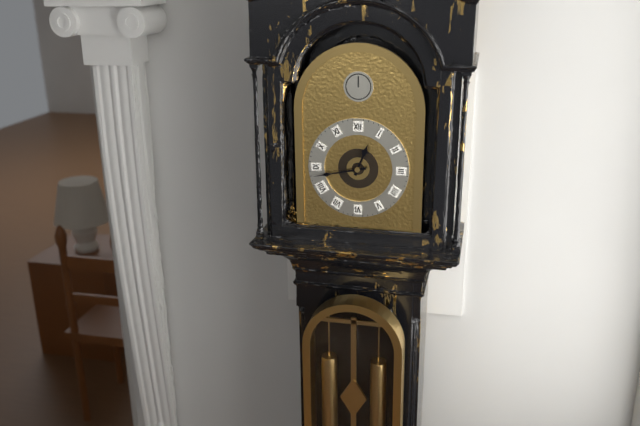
12:43
